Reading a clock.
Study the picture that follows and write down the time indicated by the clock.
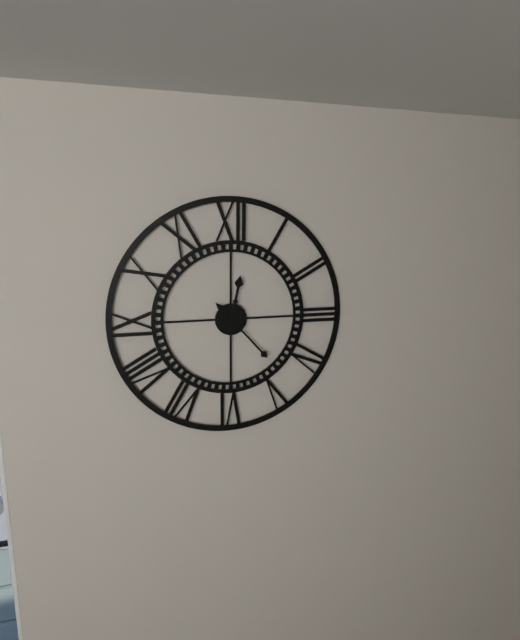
12:23
